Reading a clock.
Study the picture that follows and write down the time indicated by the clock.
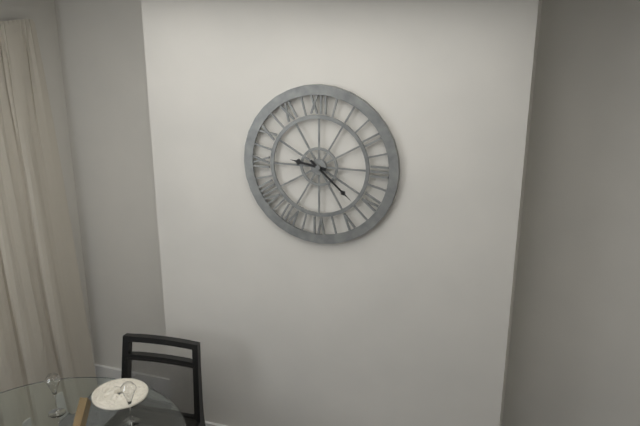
9:22
